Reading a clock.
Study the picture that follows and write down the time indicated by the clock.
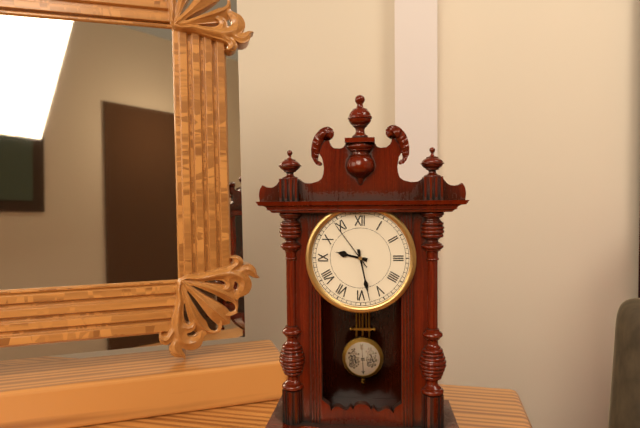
9:28:54
